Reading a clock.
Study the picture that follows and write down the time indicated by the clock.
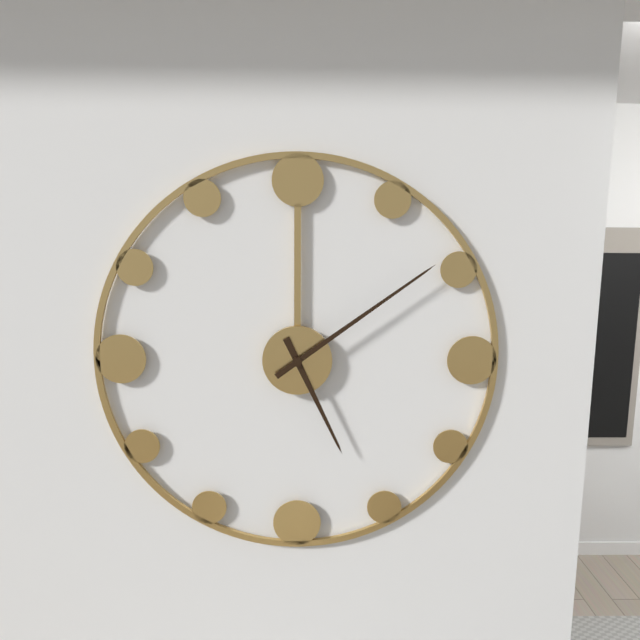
5:09
